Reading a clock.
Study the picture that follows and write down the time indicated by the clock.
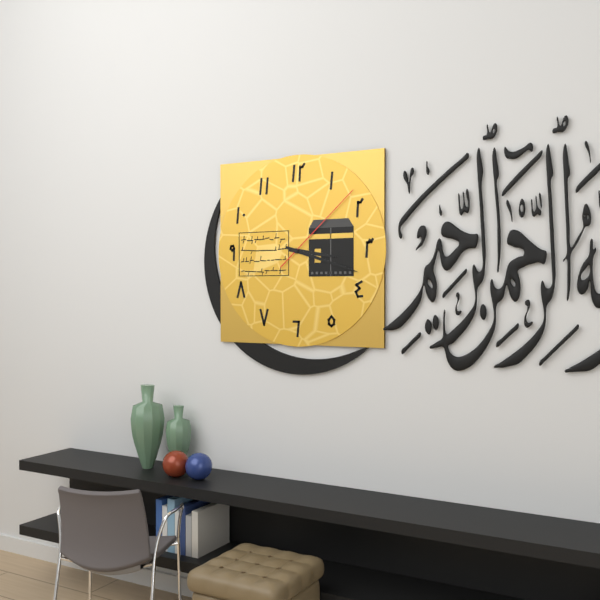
3:18:08
